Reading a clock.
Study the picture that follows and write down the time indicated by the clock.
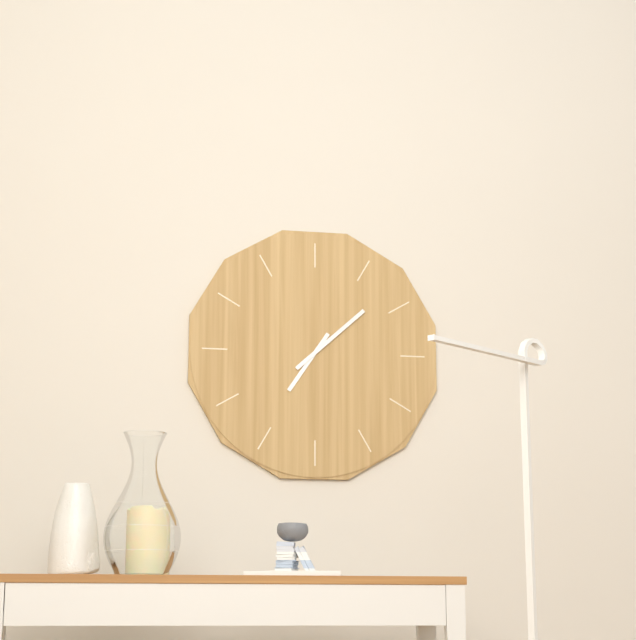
7:08
